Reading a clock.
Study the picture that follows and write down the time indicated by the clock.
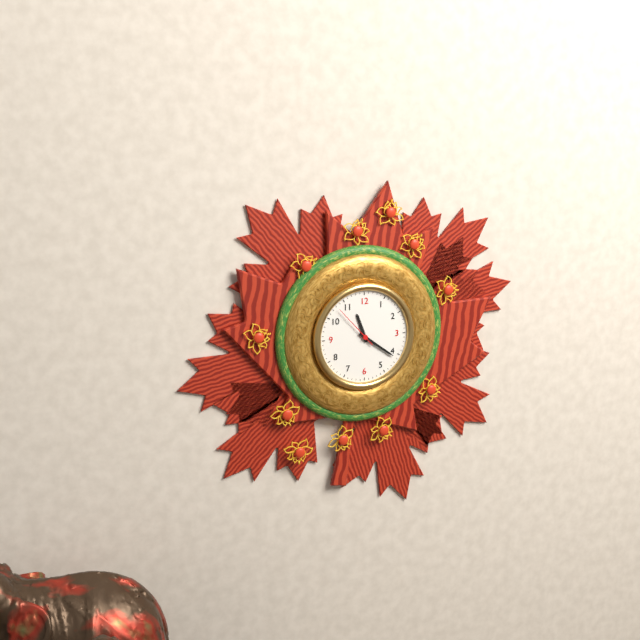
11:21
